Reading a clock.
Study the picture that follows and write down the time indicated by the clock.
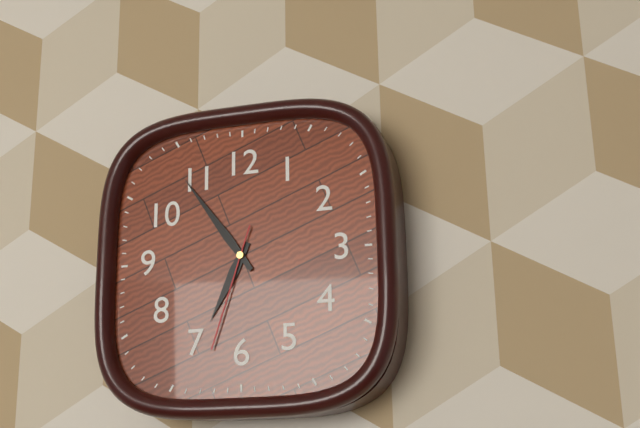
6:54:33
